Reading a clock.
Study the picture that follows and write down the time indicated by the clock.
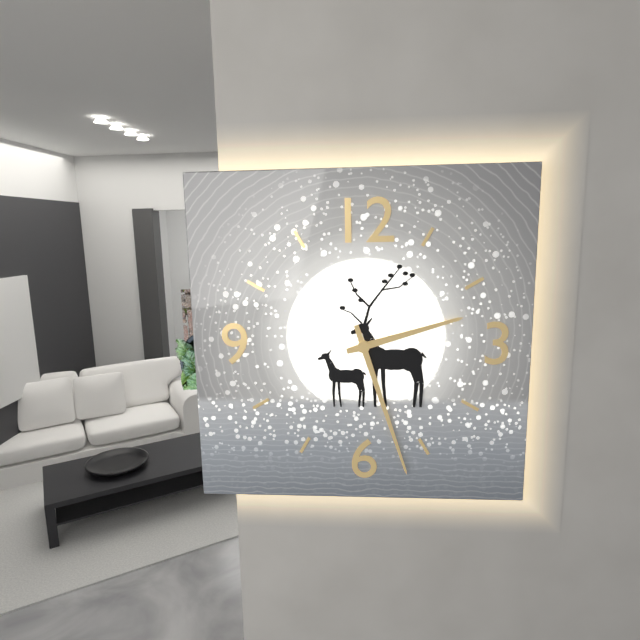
2:27
